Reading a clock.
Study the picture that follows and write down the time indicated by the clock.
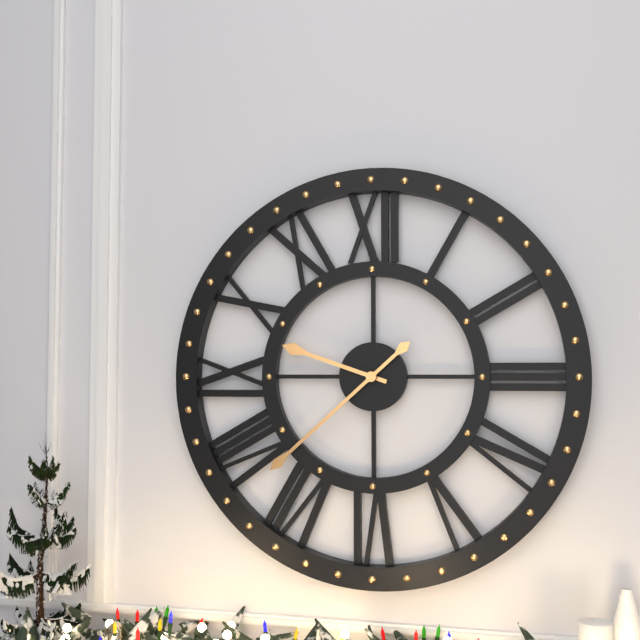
9:38
